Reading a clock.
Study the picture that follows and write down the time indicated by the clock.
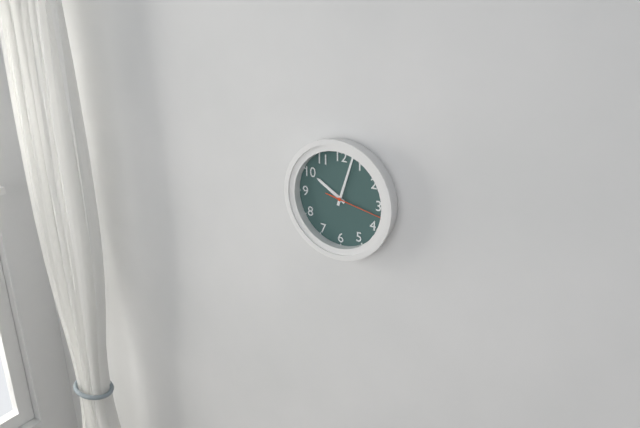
10:03:17
